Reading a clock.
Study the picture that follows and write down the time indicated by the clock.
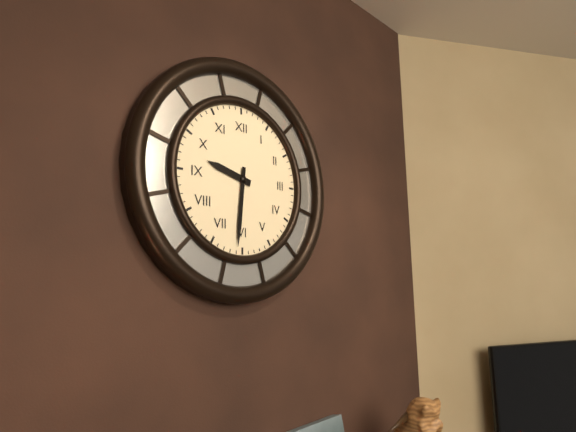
9:31
